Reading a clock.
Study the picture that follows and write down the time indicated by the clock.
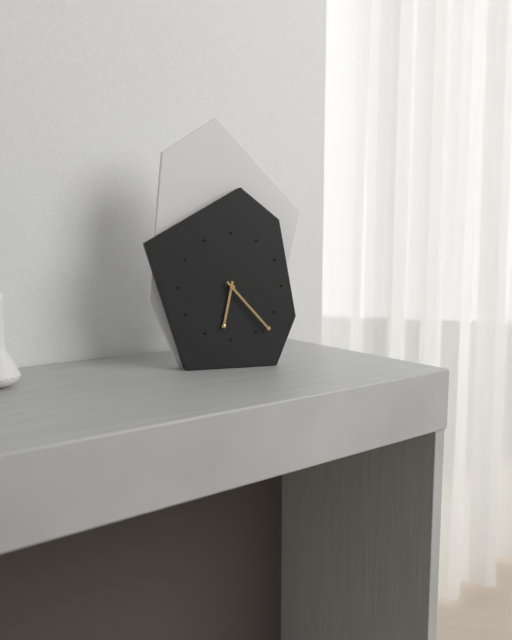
6:23
